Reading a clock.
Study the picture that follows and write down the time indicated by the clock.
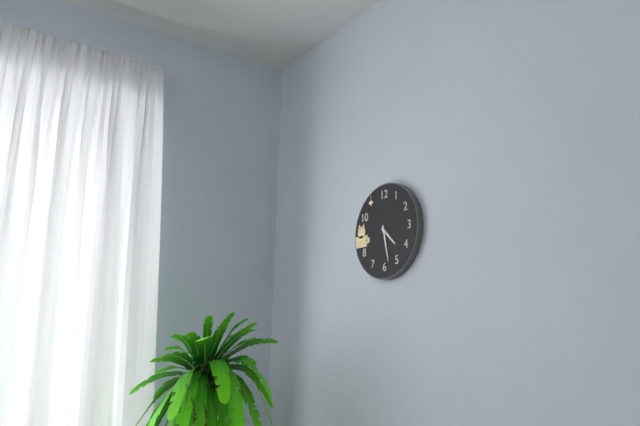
4:28
